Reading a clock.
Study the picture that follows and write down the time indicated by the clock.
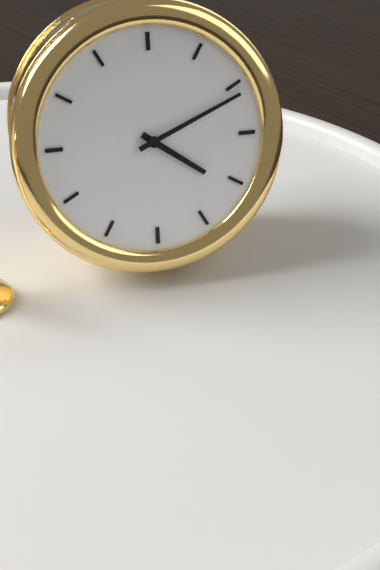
4:11
